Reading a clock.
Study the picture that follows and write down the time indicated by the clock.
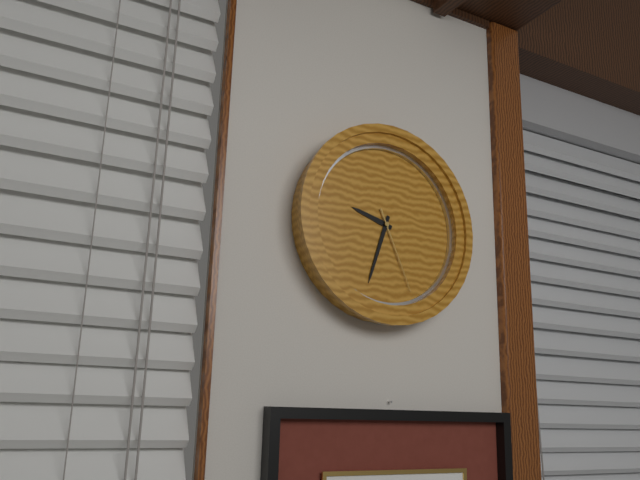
9:33:26
